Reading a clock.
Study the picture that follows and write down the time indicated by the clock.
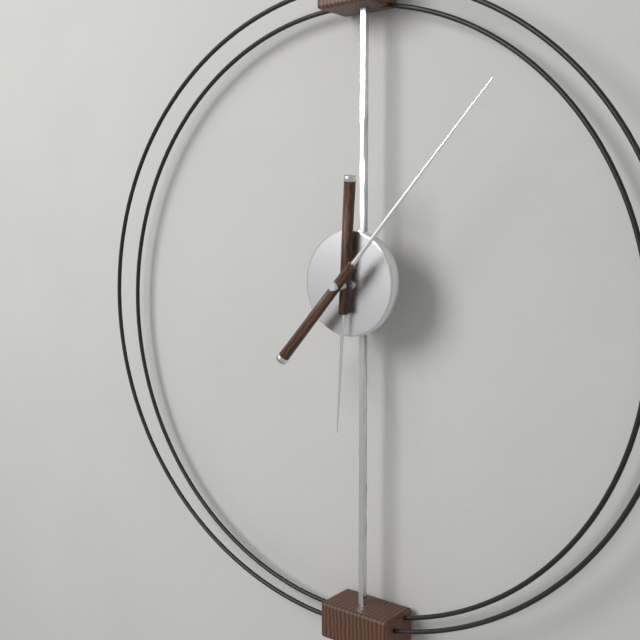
6:07
